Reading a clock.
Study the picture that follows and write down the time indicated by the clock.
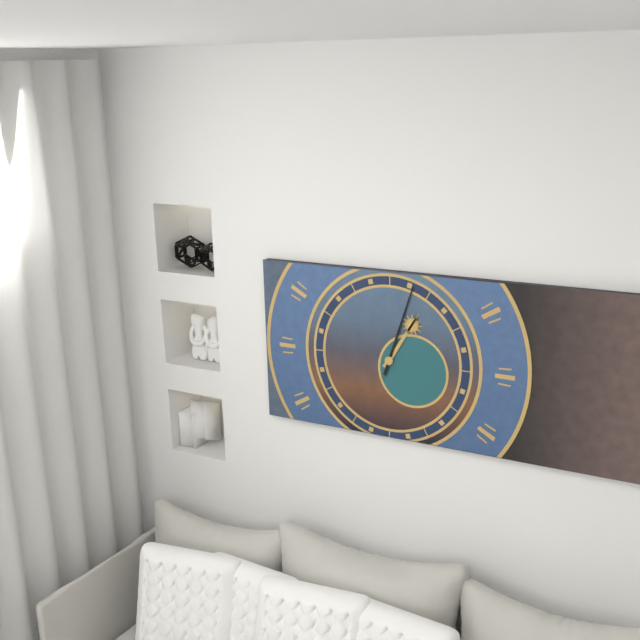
1:03
